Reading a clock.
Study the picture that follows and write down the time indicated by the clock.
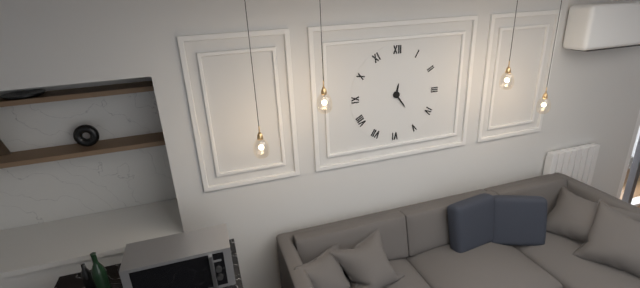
12:24
